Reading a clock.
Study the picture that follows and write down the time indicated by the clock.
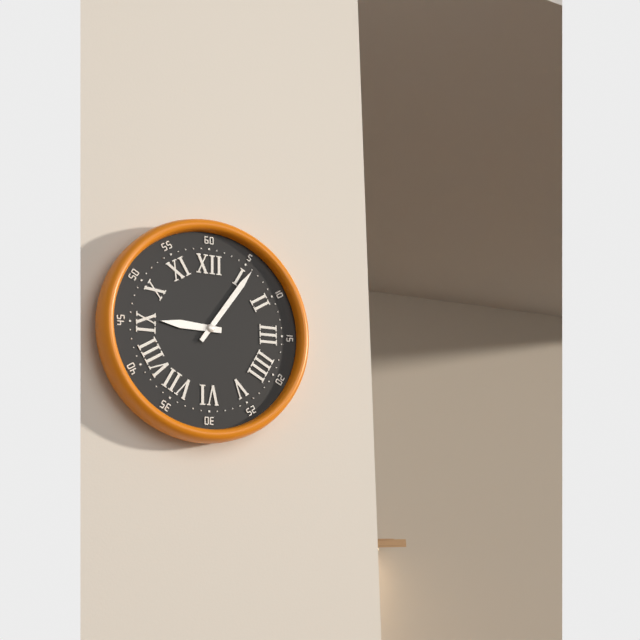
9:06
